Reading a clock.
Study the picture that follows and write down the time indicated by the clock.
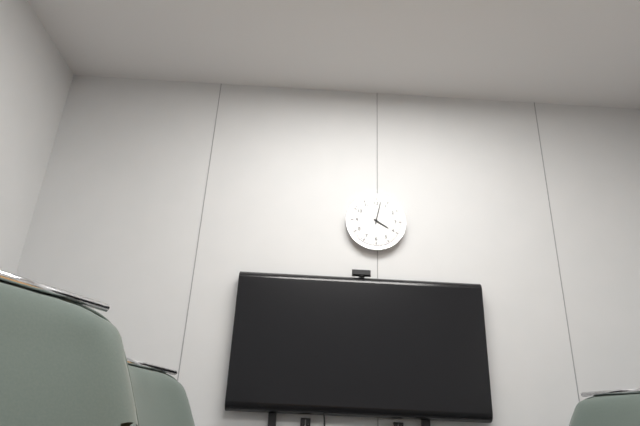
4:02
